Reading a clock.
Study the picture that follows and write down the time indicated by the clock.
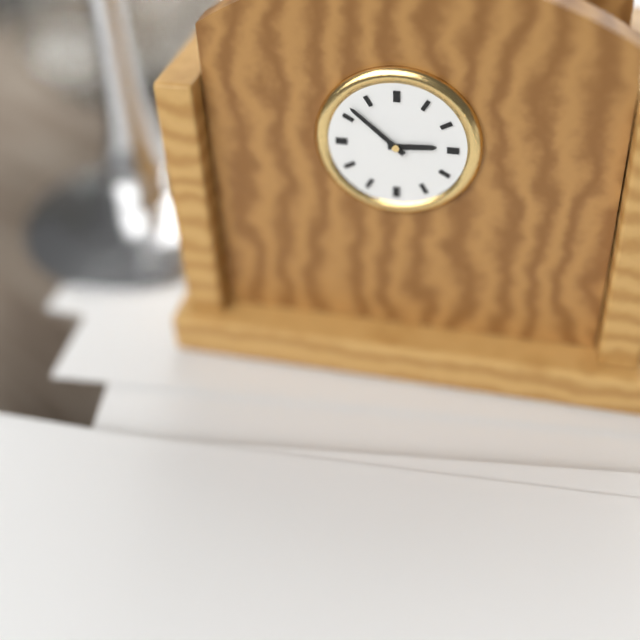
2:52
